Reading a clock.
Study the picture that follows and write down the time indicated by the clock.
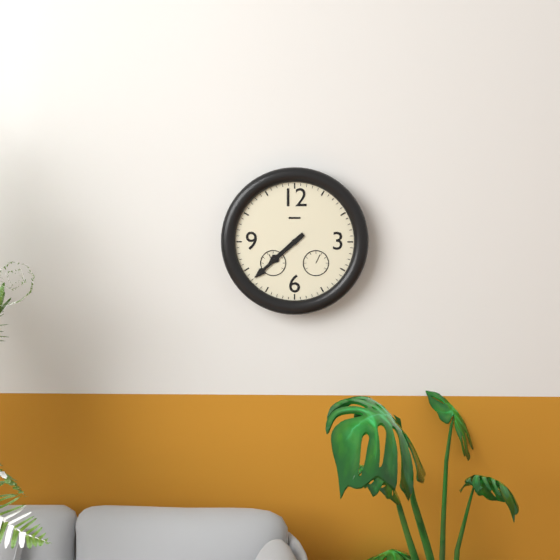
7:38
